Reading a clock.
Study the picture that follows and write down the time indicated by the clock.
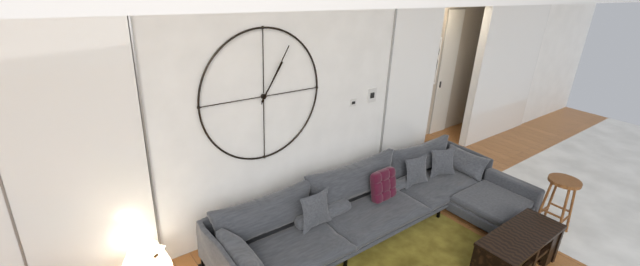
1:05
